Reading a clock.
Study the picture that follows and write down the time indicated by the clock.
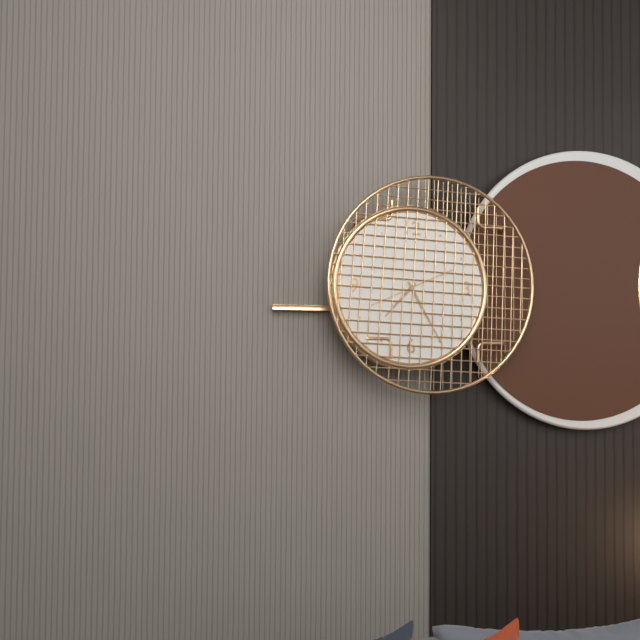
7:25:11
